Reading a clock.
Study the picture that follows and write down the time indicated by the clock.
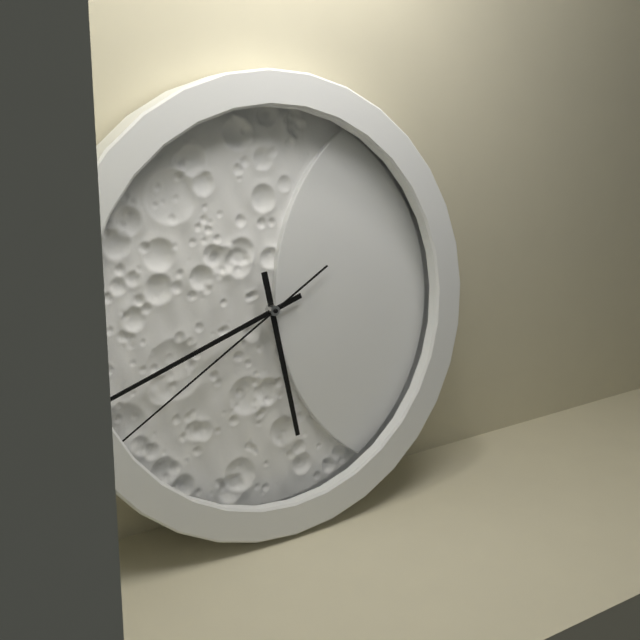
5:42:40
